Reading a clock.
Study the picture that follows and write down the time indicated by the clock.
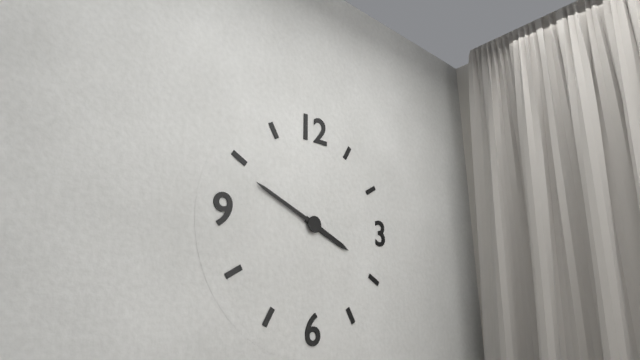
3:49
